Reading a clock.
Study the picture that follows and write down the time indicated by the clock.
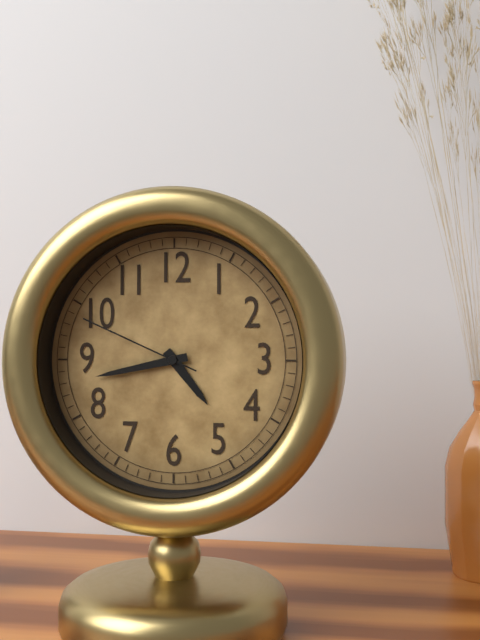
4:43:49
